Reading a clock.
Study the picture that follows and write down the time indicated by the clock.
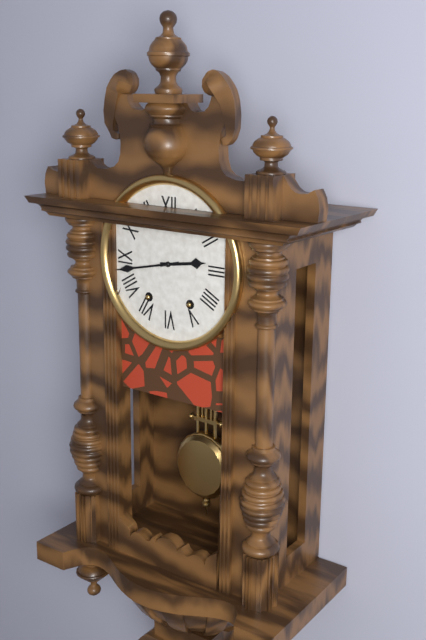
2:43
